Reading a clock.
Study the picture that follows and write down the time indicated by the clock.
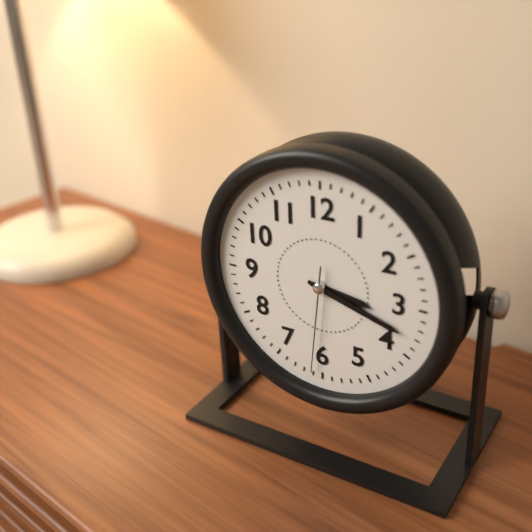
3:18:31
